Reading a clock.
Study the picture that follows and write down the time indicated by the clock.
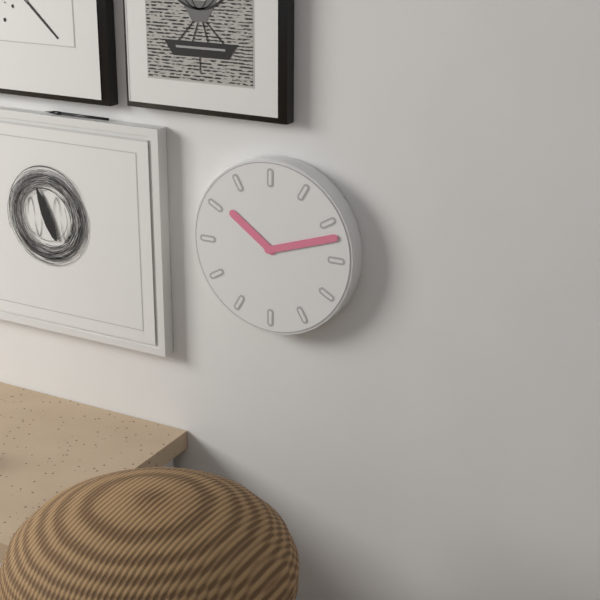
10:12
